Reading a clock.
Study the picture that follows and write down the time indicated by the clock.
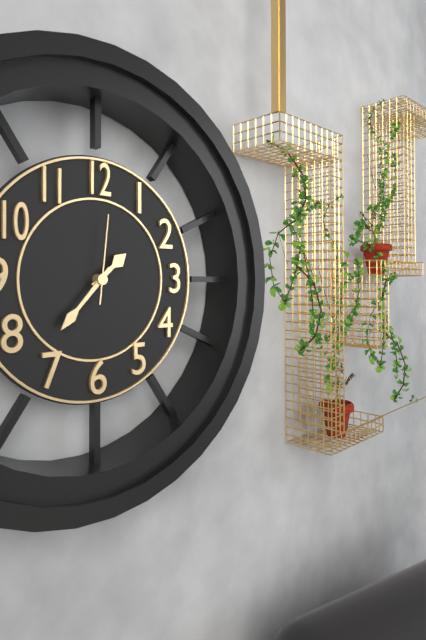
1:37:01
